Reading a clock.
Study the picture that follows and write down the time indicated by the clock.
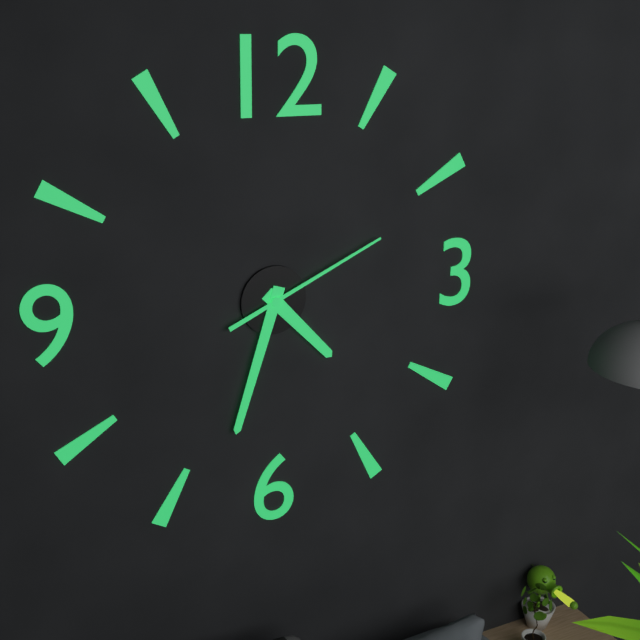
4:33:11
